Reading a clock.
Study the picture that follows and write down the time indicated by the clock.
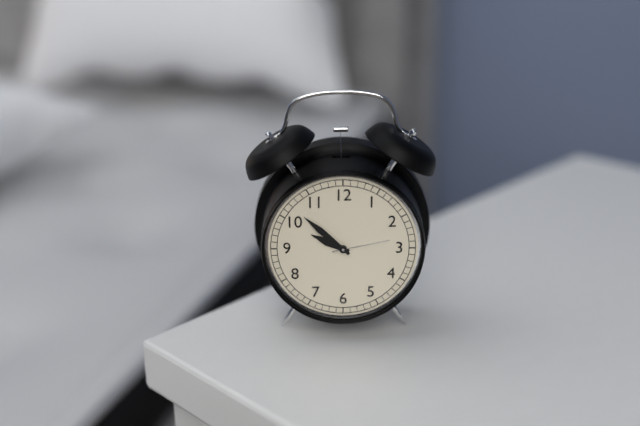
9:52:13
